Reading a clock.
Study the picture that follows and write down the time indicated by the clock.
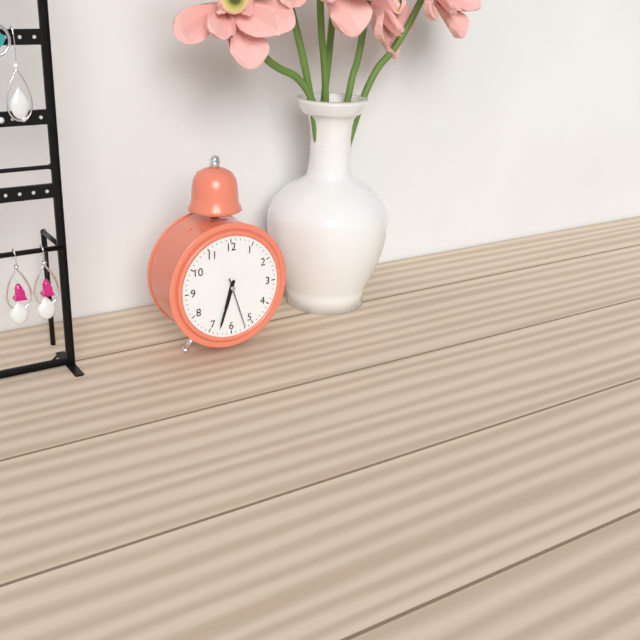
6:33:27
